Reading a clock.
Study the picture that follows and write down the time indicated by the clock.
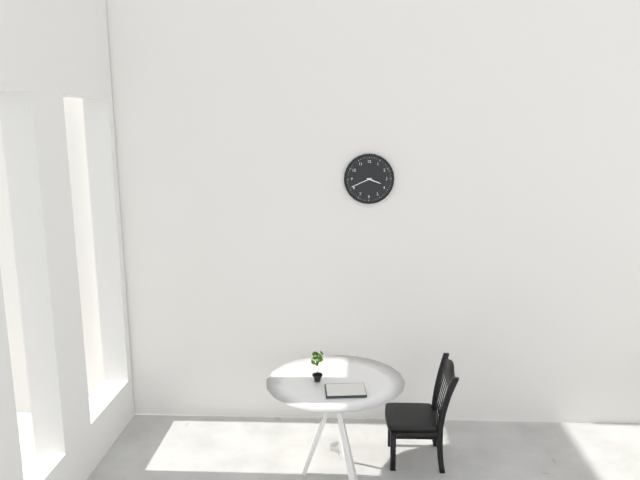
3:41
